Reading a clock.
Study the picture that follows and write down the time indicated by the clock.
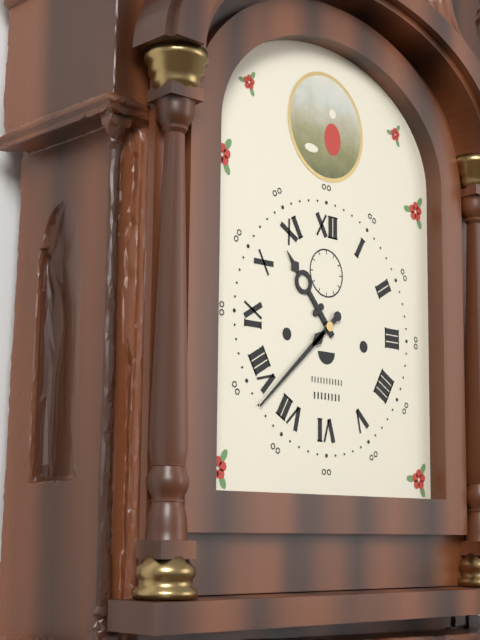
10:38
